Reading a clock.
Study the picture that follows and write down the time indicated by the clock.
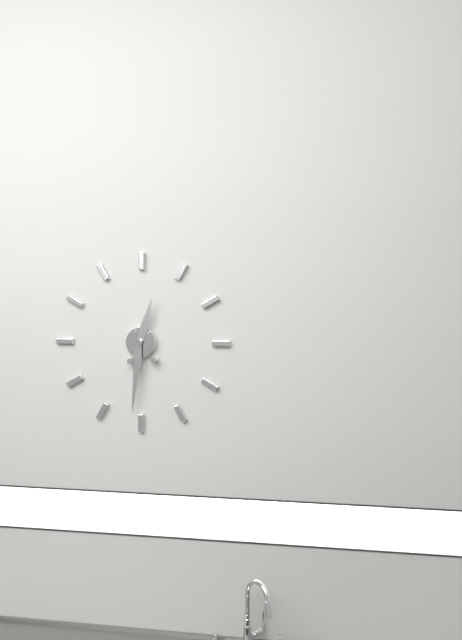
12:31
